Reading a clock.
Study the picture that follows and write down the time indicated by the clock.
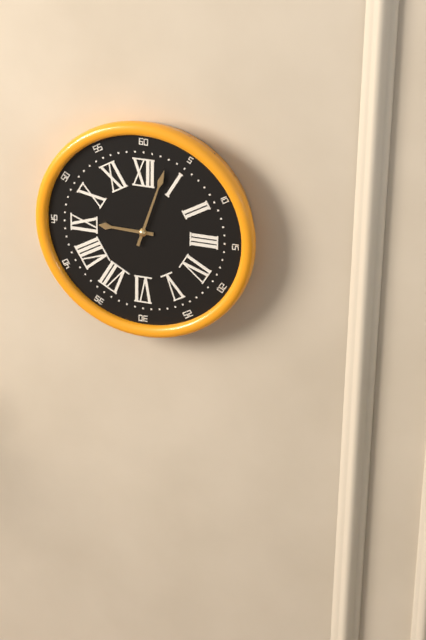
9:03
